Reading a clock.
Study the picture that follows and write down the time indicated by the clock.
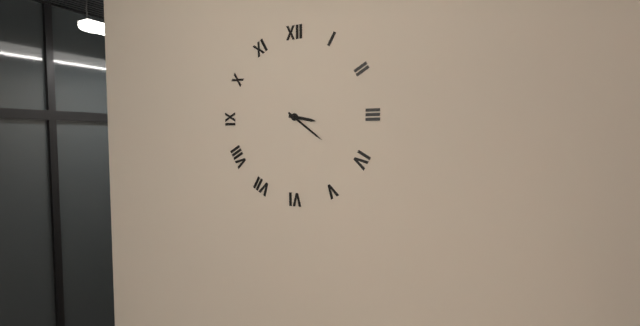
3:21
